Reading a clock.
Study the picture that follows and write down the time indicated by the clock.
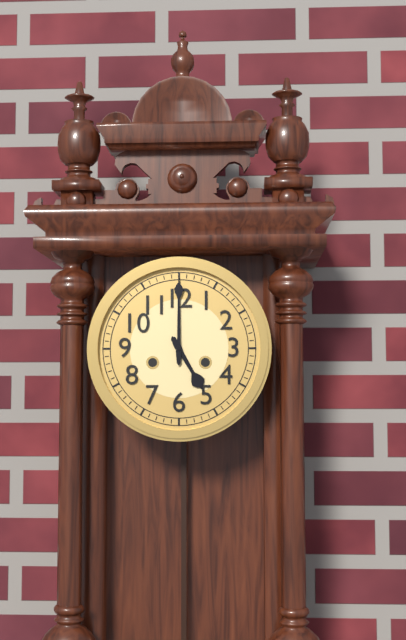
5:00
